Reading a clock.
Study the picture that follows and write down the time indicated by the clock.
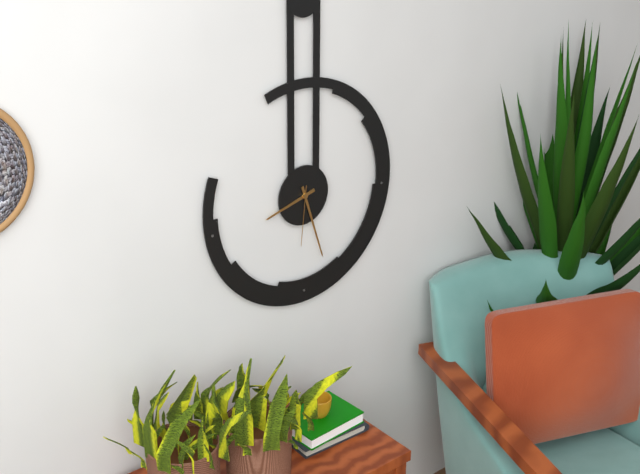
8:27:31
